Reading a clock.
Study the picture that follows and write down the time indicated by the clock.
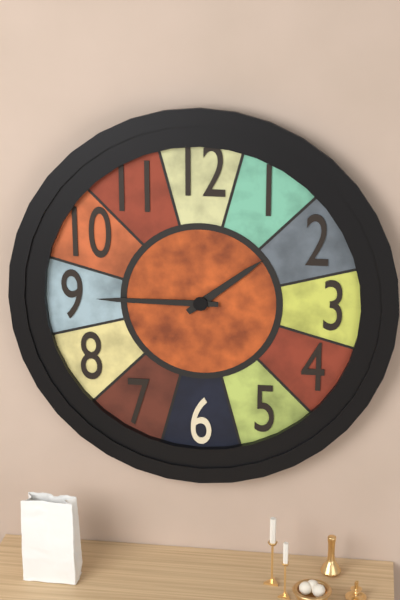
1:45
